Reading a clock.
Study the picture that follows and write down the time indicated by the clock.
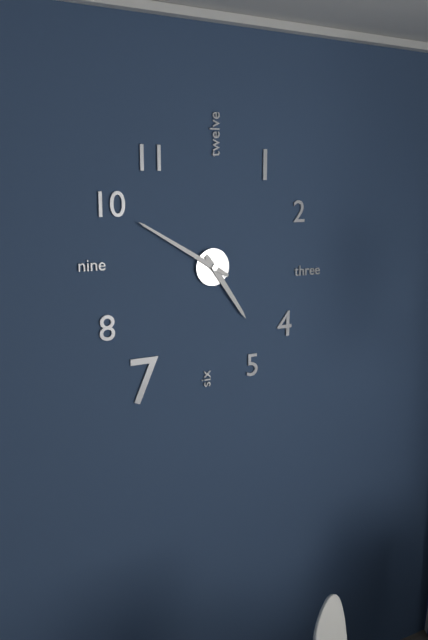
4:50
